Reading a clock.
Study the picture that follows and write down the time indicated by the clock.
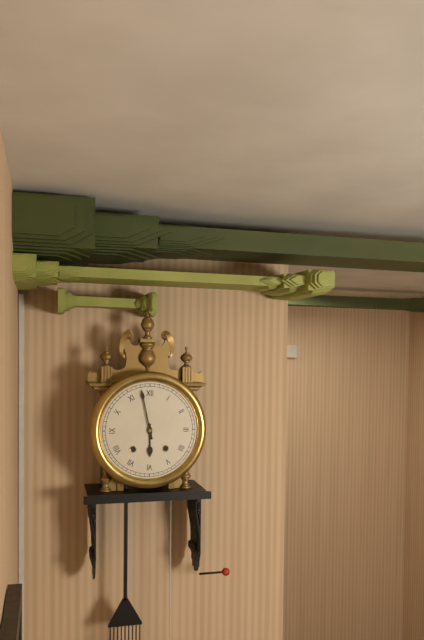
5:58
